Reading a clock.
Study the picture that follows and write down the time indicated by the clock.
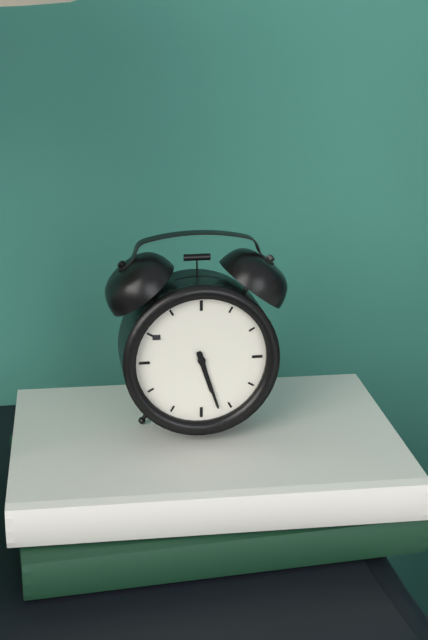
5:27
